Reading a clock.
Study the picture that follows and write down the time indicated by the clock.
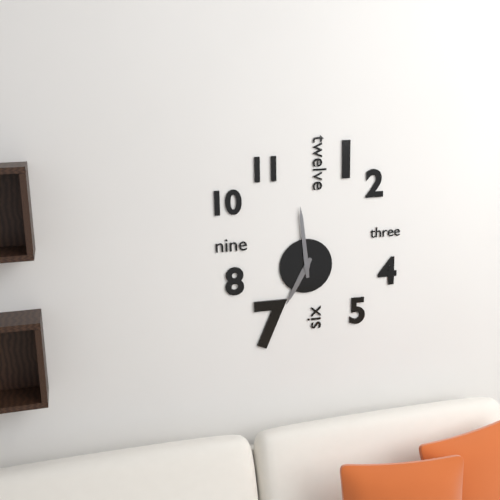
6:59
